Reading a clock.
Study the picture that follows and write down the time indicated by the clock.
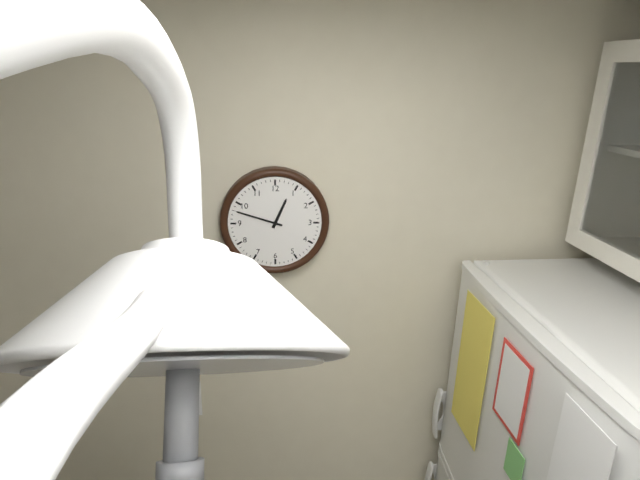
12:48
